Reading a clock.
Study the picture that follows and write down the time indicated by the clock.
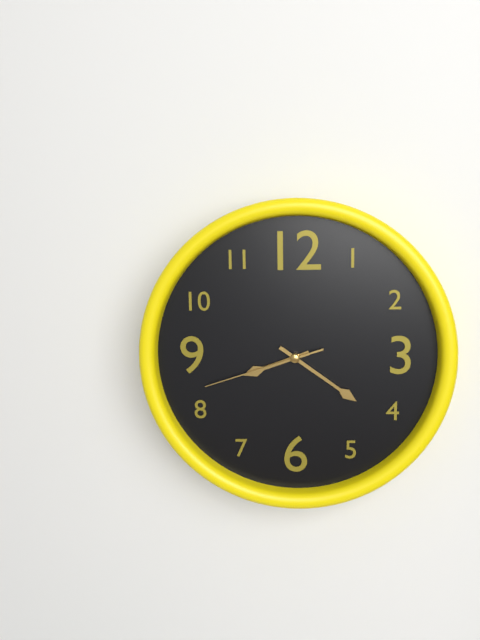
8:21:42
